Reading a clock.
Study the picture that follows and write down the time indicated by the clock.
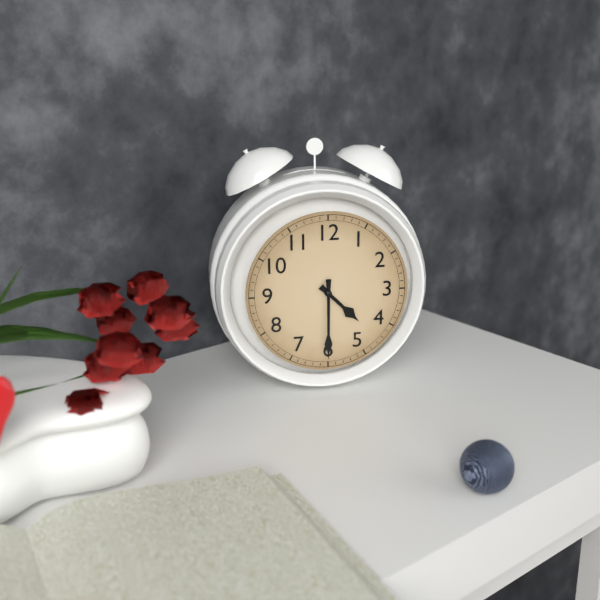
4:30
